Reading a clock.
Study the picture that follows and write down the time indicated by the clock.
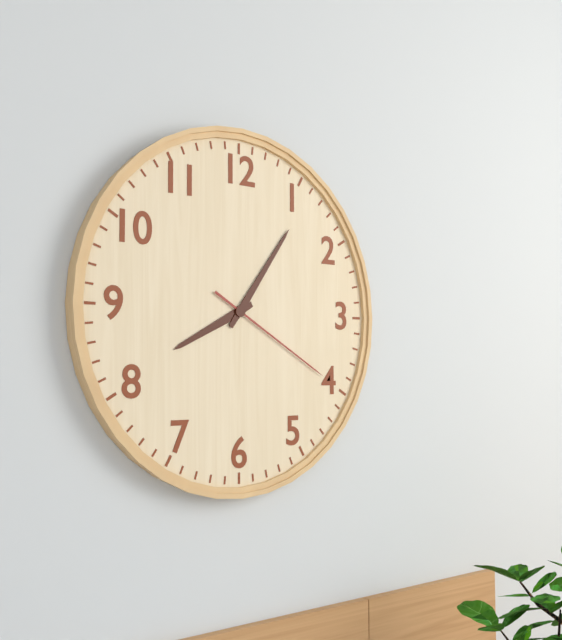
8:06:20
